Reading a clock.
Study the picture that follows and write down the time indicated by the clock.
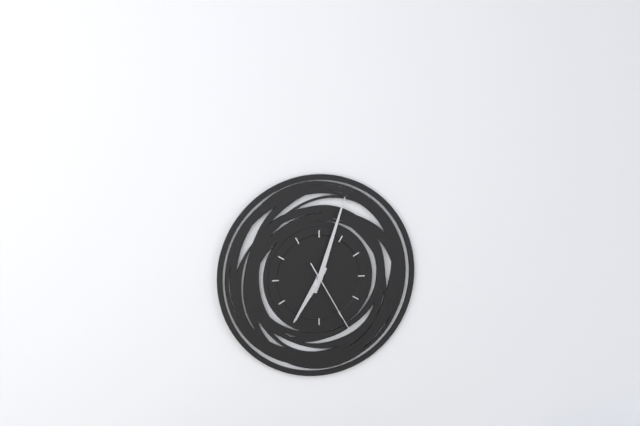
7:03:25
